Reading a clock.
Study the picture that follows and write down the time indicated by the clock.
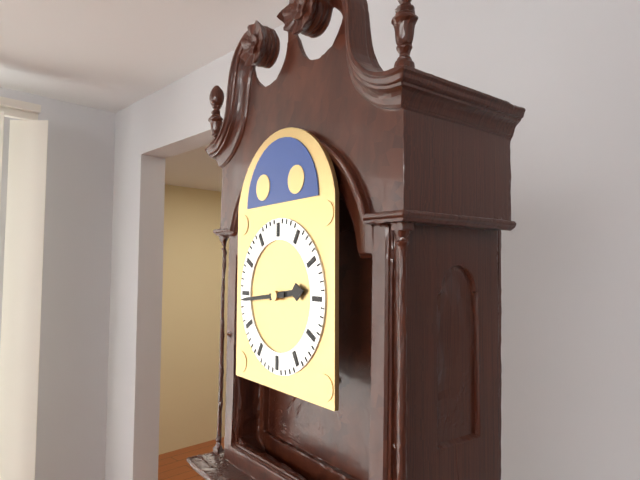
2:44
